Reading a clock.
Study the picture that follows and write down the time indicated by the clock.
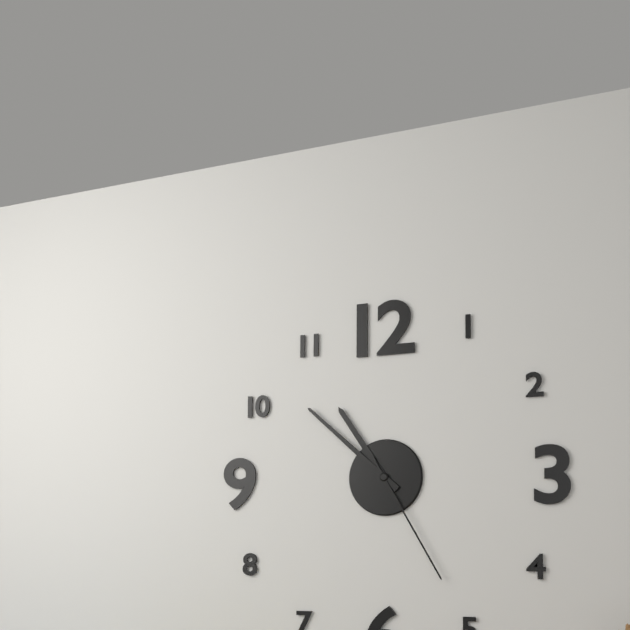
10:52:25
